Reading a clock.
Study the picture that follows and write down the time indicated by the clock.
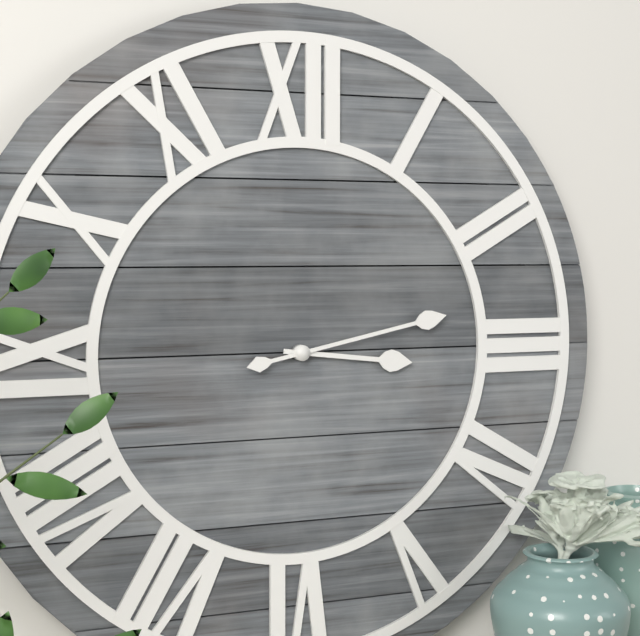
3:13
